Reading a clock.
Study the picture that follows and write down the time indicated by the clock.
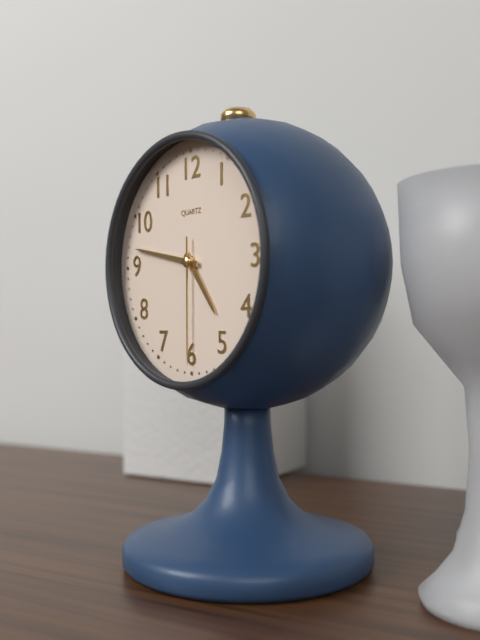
4:47:30
